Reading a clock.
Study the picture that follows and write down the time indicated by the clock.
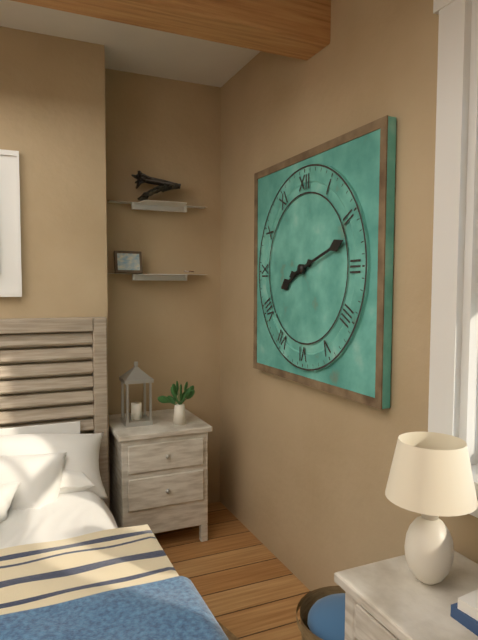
8:12
